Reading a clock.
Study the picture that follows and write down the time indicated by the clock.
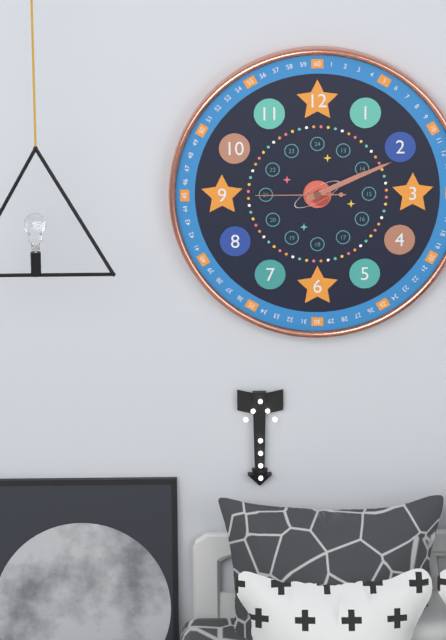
2:11:45
